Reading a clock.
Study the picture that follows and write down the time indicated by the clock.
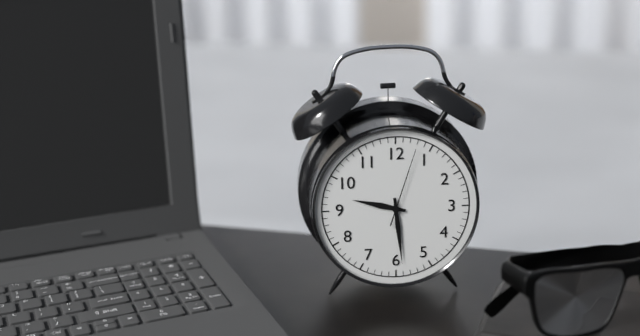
9:29:03
